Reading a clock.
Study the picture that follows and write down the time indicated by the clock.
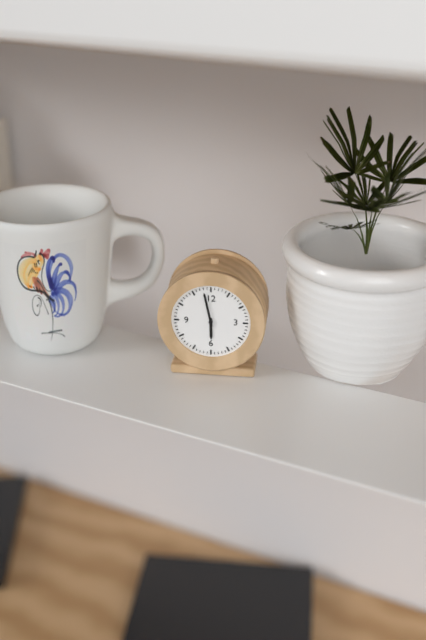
5:58
